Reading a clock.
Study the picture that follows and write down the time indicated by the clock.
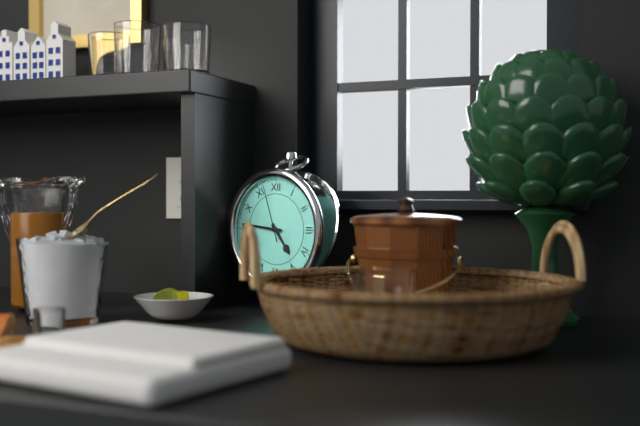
4:46:57
